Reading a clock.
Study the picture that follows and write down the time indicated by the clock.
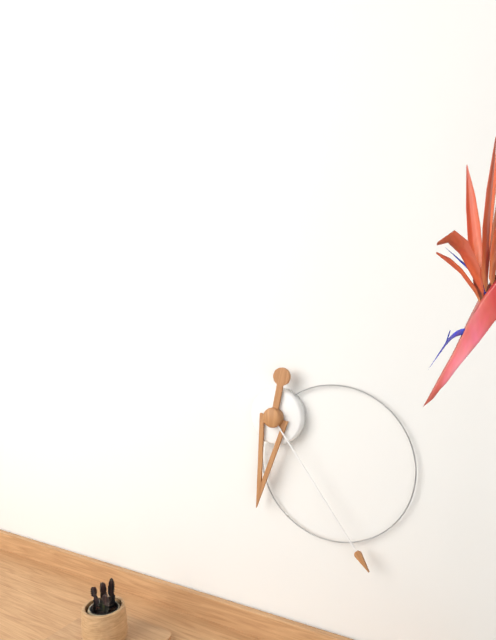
6:24
